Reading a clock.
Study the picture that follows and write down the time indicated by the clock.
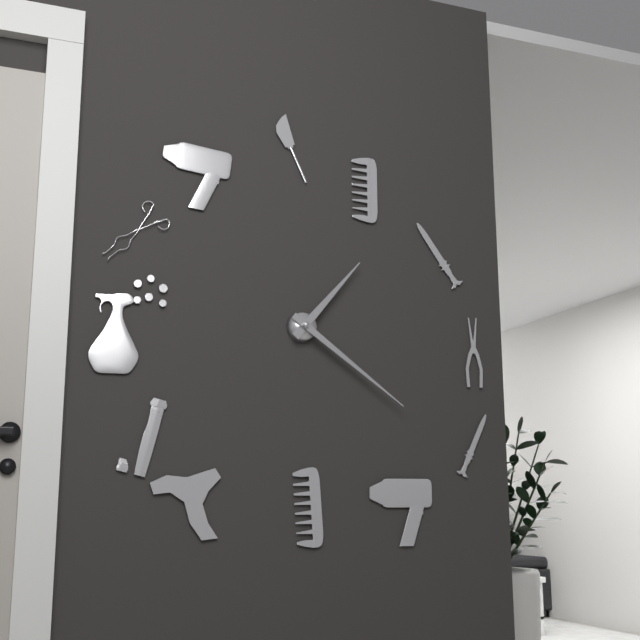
1:21
